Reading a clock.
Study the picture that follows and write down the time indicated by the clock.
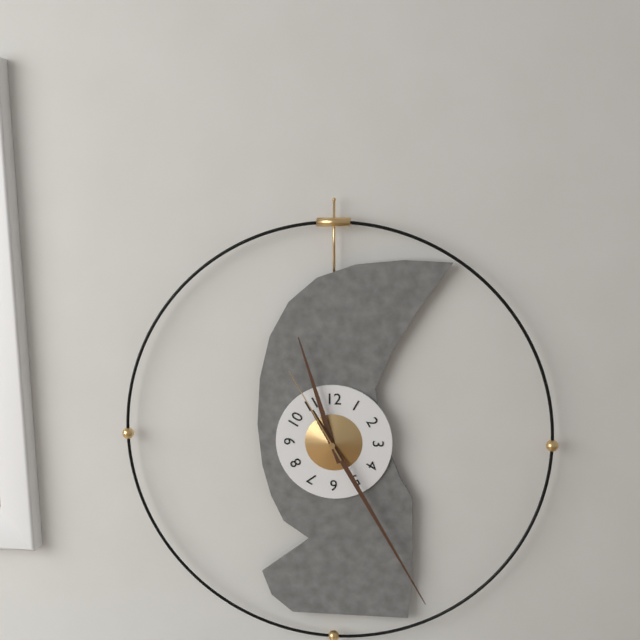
11:25:55
